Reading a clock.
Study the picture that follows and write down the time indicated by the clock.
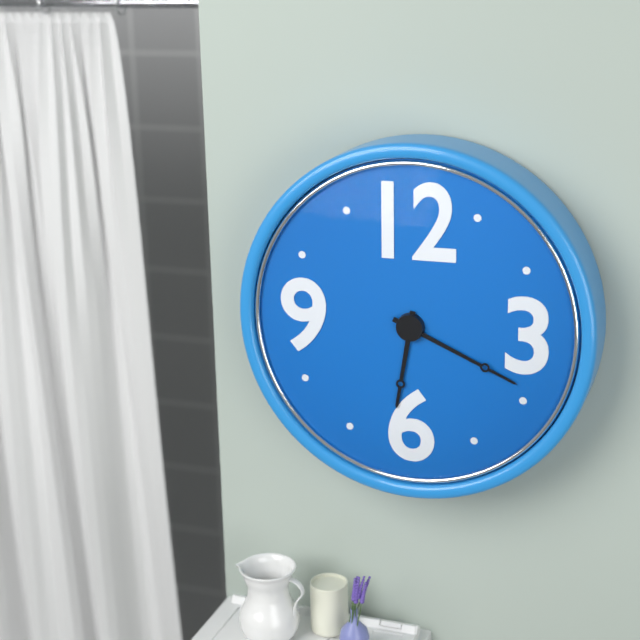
6:19
